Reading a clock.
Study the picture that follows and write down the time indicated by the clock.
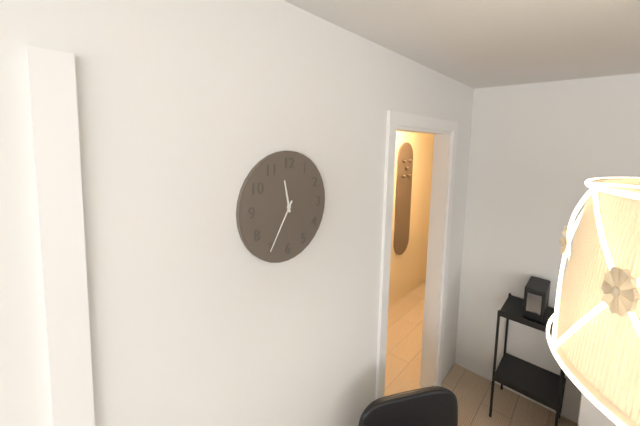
11:35
